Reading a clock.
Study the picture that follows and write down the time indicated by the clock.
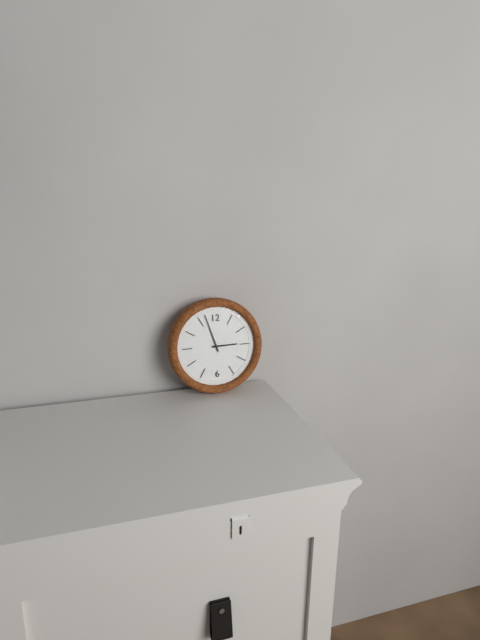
2:57
